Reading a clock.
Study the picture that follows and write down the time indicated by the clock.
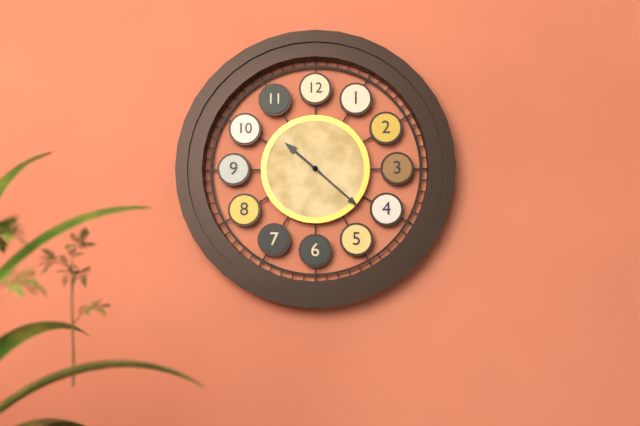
10:22
